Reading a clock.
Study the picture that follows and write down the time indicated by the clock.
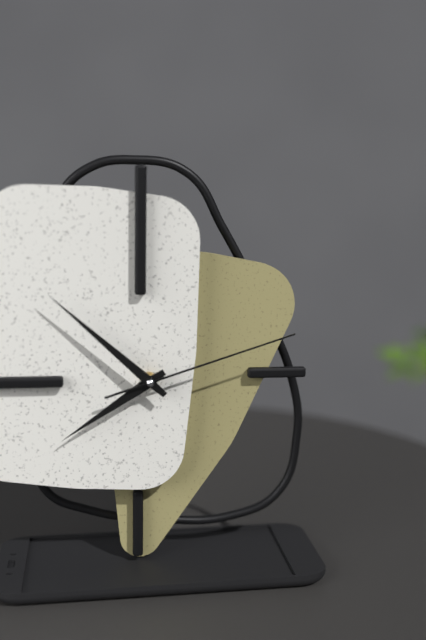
7:52:12
